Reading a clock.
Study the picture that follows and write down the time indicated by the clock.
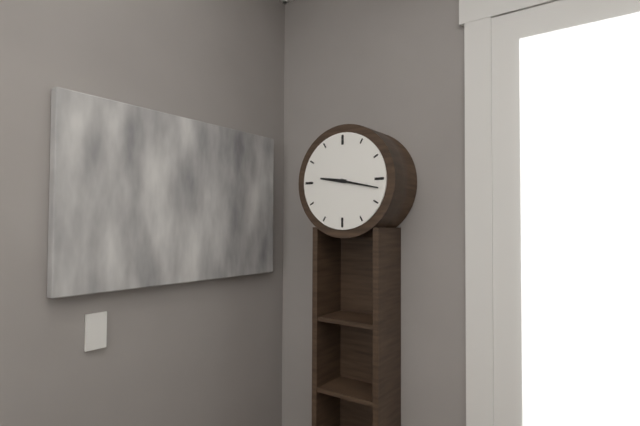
9:17
